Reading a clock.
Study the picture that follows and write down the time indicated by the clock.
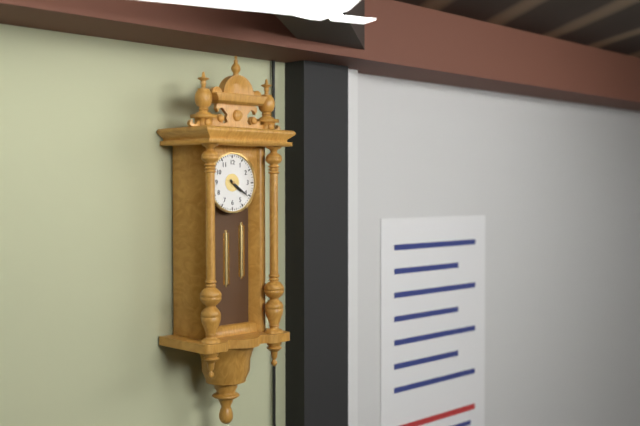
4:21
